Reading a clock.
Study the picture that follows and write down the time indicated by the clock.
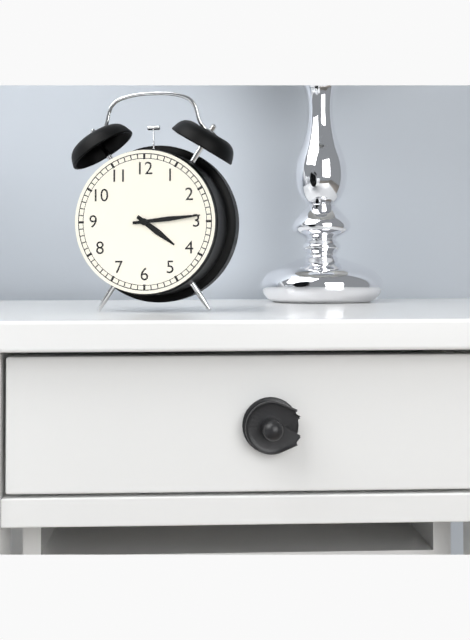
4:14
